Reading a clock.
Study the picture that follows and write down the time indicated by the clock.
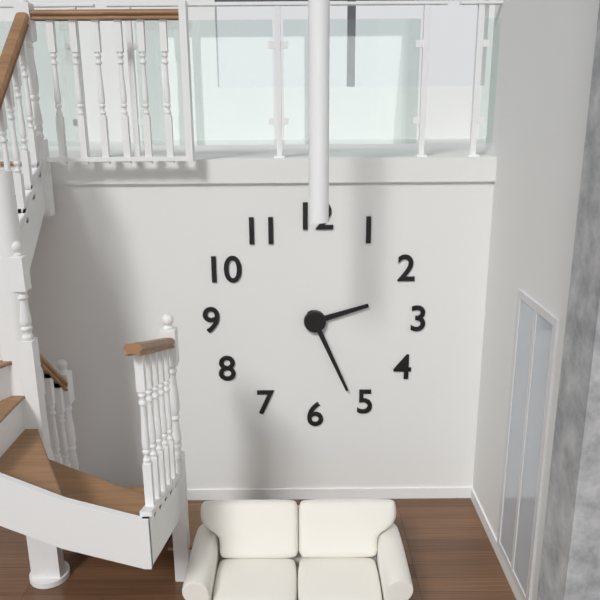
2:26
